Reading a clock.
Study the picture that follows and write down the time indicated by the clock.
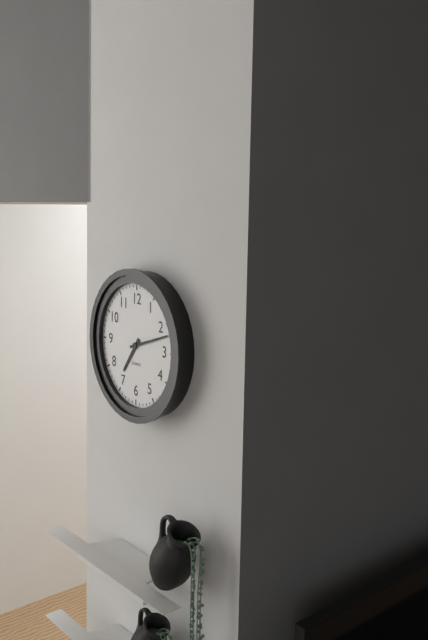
7:12
